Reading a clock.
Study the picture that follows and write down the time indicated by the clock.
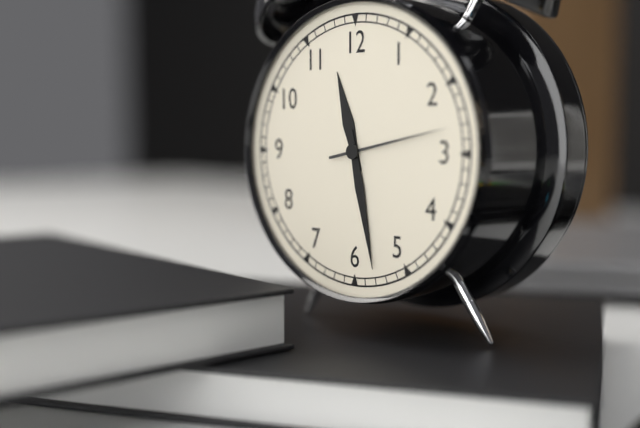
11:28:13
